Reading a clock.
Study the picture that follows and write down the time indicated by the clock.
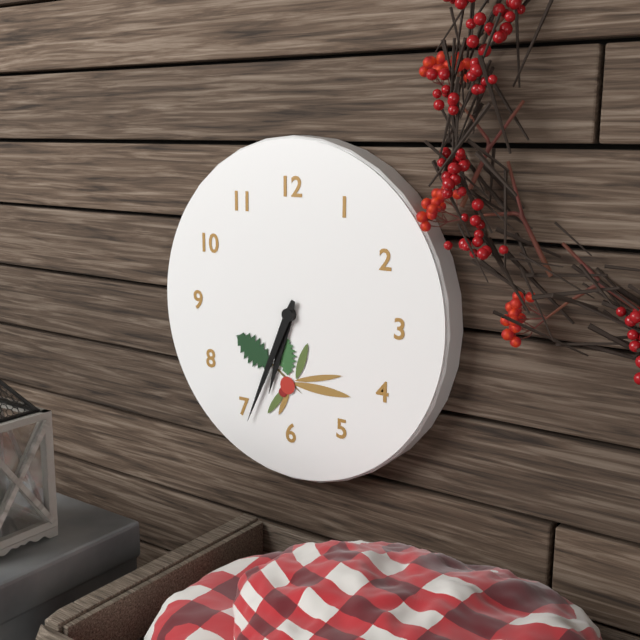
6:34
